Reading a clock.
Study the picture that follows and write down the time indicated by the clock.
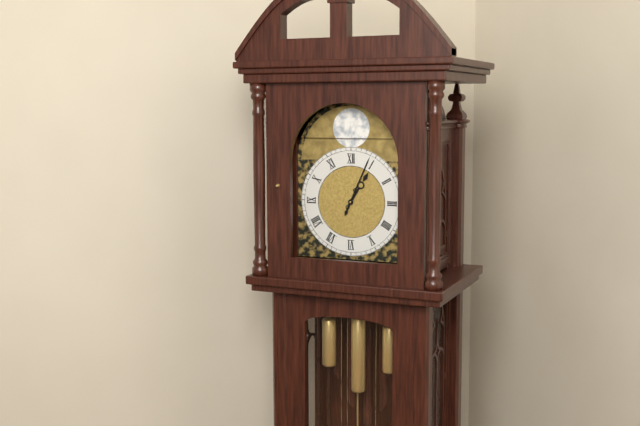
1:04
